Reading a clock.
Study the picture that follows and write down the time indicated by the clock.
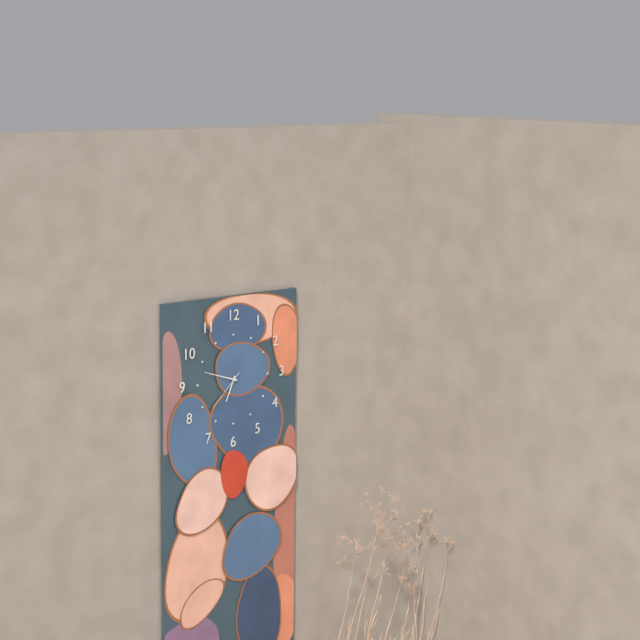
6:48
